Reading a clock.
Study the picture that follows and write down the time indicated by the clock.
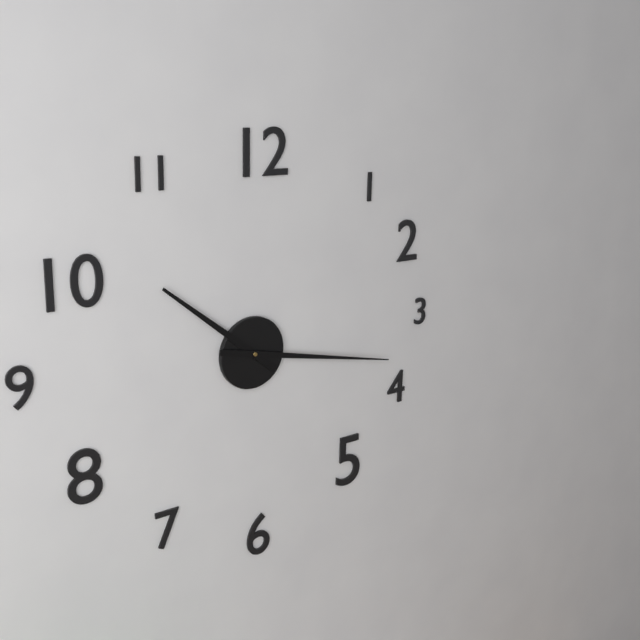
10:17
